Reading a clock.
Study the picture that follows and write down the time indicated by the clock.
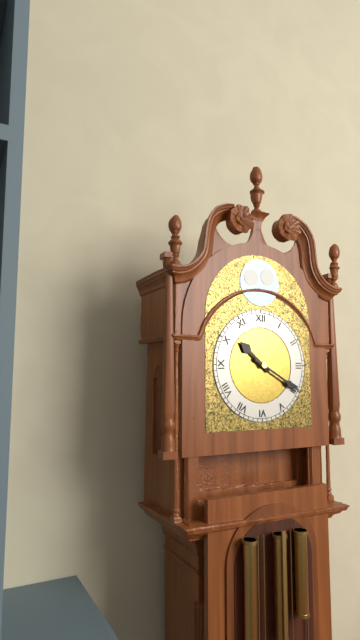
10:20
